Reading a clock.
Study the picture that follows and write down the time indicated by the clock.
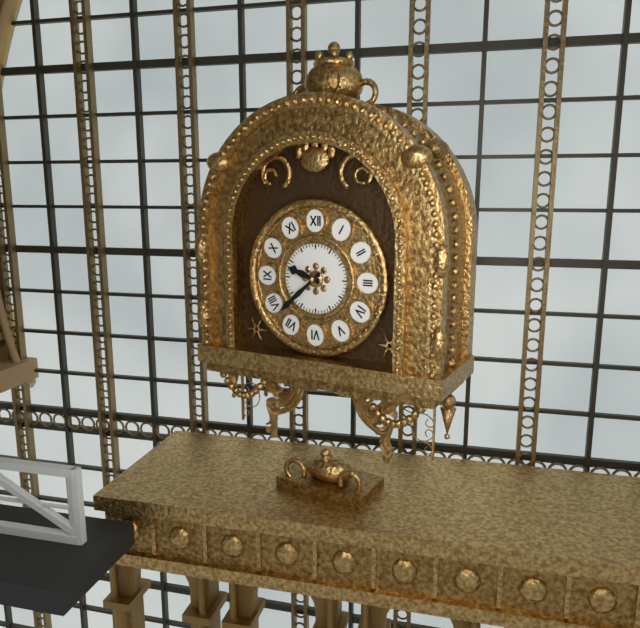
9:38
